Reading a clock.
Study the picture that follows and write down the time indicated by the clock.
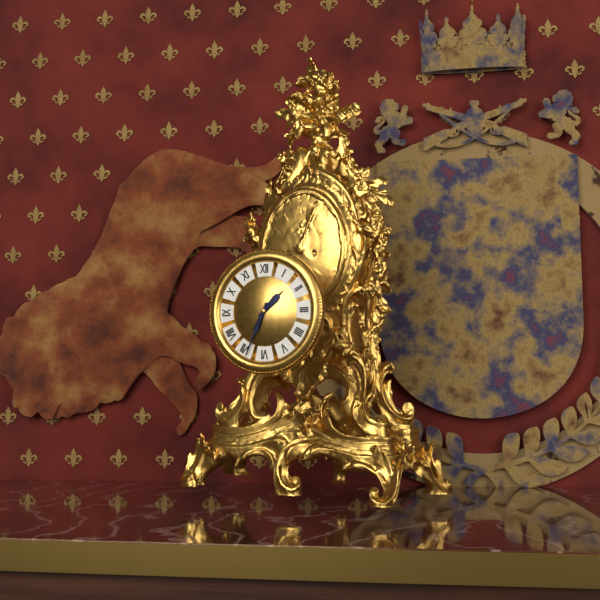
1:34
